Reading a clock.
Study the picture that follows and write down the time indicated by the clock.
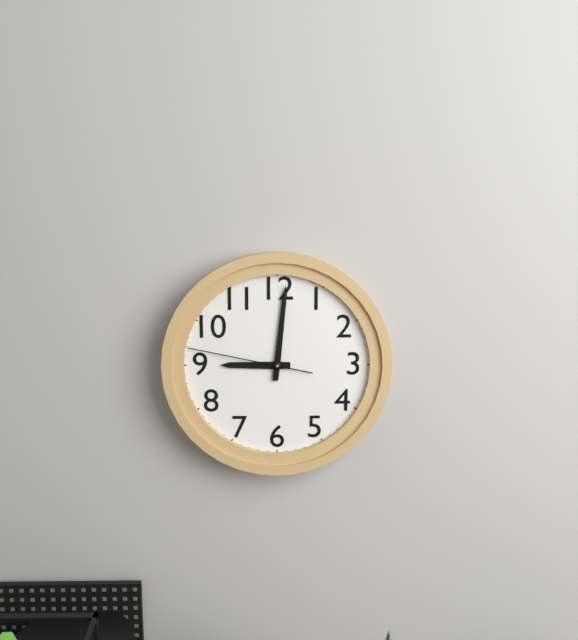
9:01:47
